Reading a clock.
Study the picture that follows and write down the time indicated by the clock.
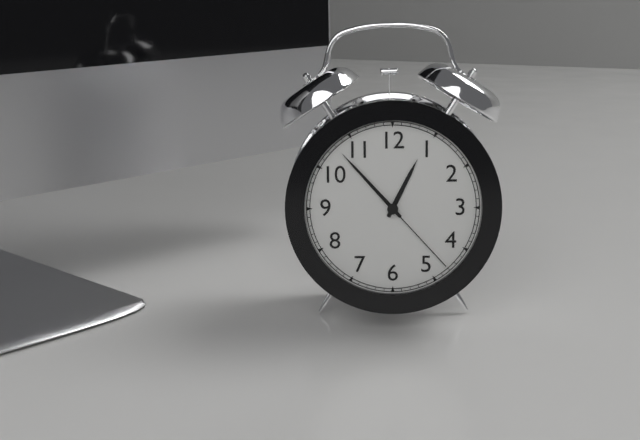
12:53:23
